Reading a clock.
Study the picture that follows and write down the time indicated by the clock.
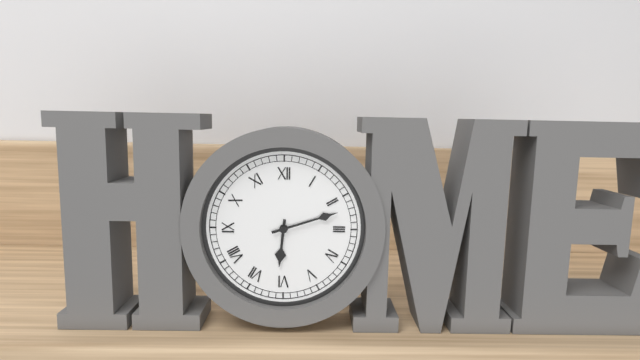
6:12
